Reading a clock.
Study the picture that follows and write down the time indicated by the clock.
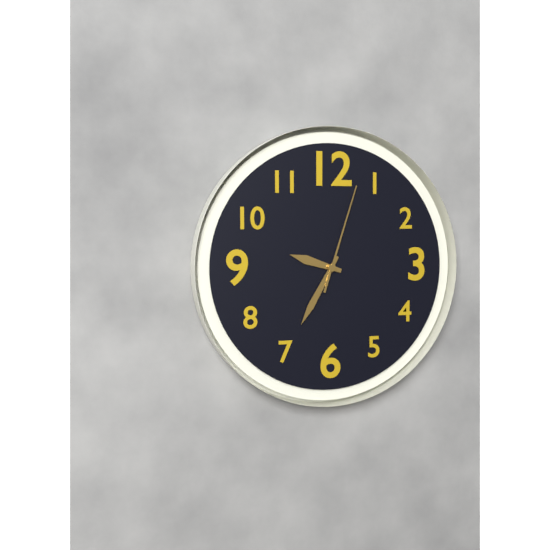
9:35:03
